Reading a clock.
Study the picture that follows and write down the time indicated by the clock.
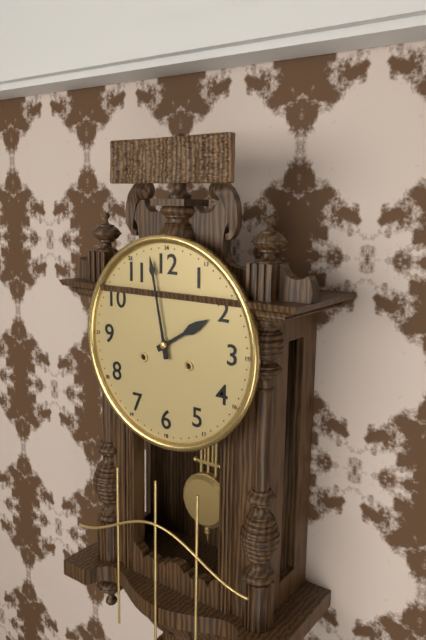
1:58
